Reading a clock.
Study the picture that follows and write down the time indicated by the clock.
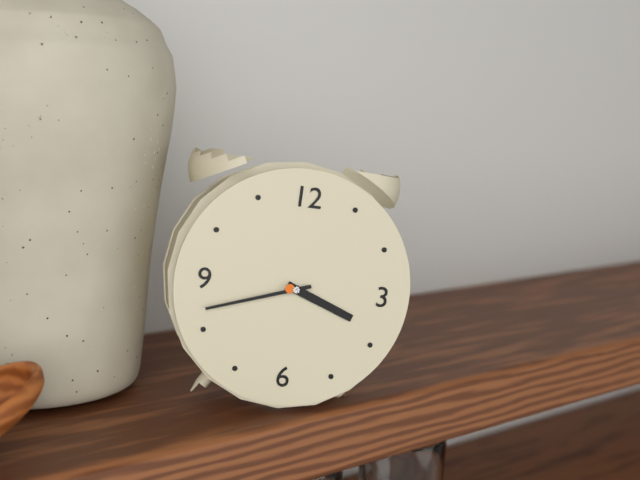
3:42
